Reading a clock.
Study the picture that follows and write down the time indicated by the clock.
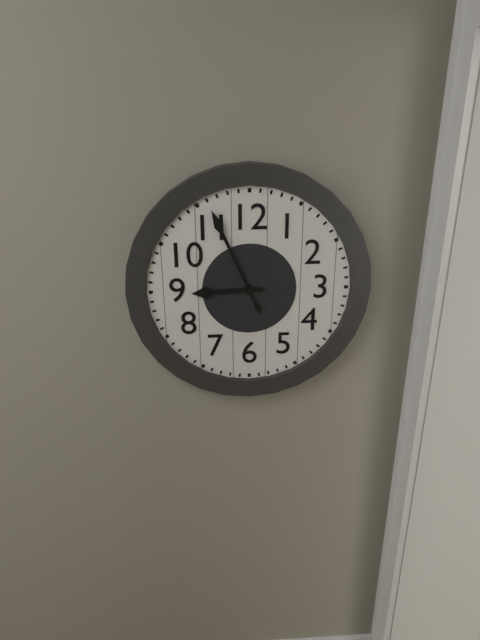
8:56
